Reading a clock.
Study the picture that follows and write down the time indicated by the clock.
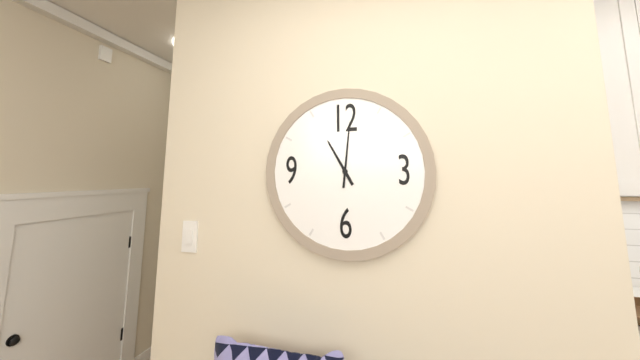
11:01
